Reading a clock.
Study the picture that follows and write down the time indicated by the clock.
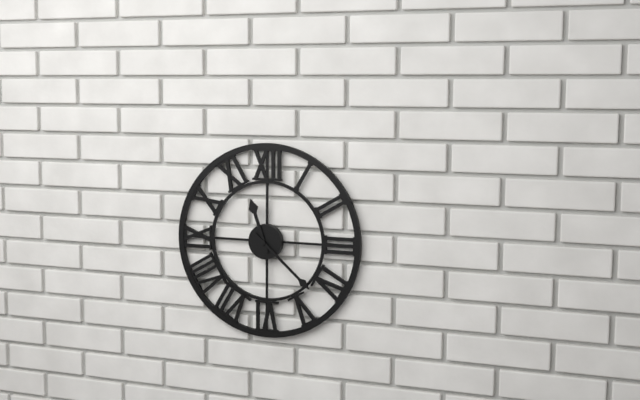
11:22
